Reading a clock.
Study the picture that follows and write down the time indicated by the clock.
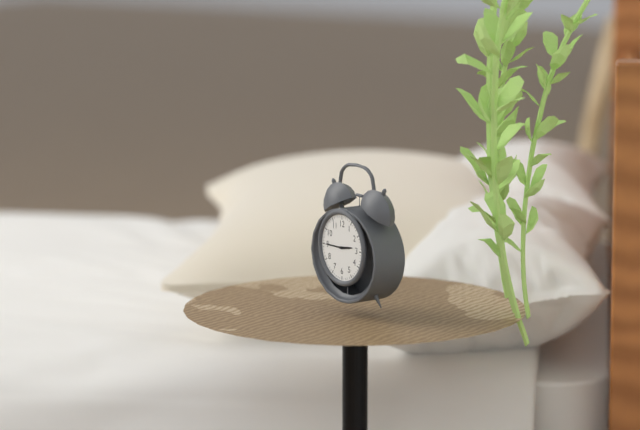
2:45
